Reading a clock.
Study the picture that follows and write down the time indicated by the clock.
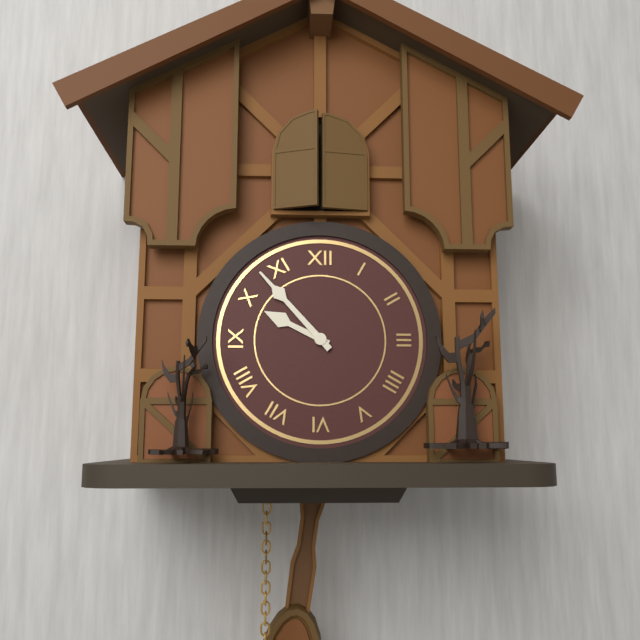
9:53
